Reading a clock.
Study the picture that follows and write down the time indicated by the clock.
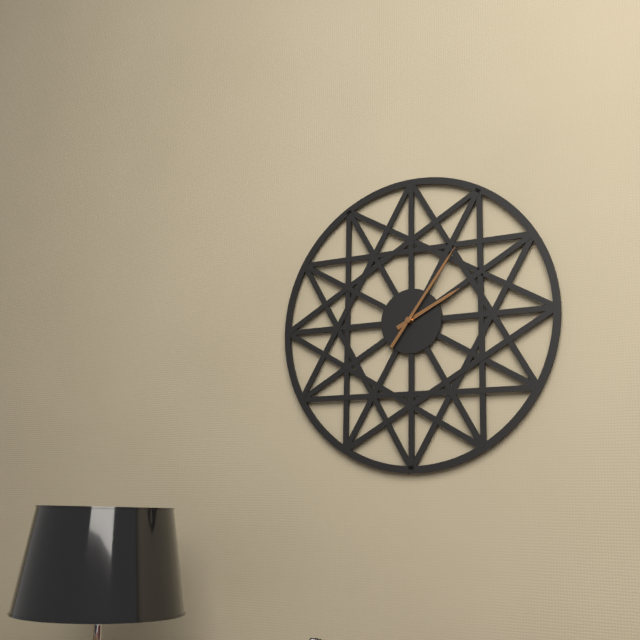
2:06
